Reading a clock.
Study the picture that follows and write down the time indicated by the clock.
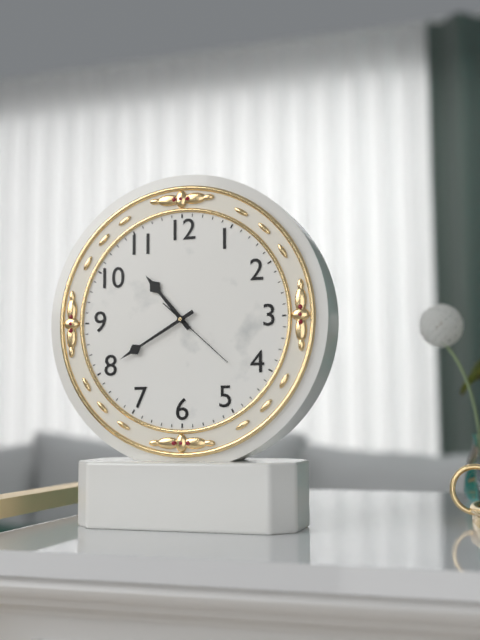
10:40:22
